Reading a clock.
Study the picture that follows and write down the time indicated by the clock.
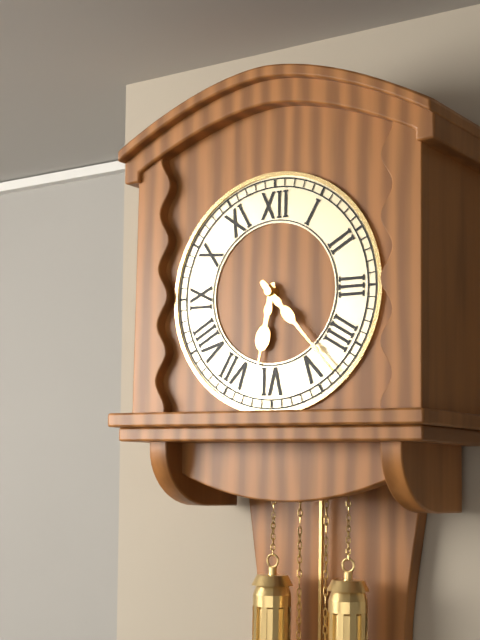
6:23
